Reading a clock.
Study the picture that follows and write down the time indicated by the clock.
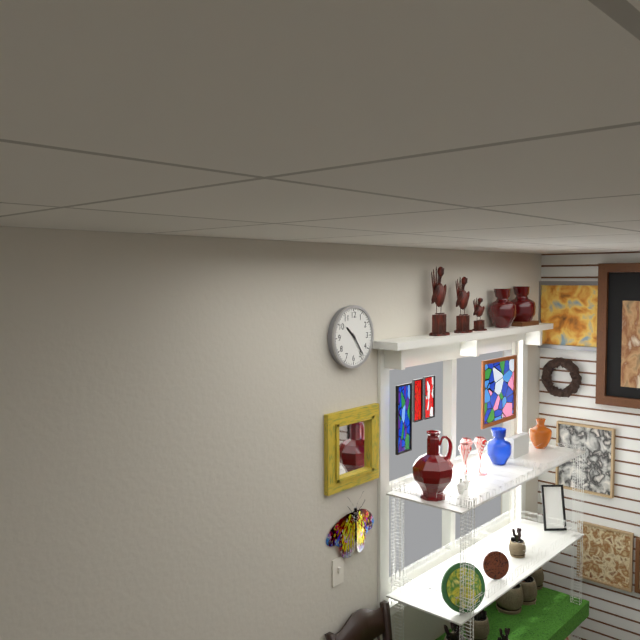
10:24
